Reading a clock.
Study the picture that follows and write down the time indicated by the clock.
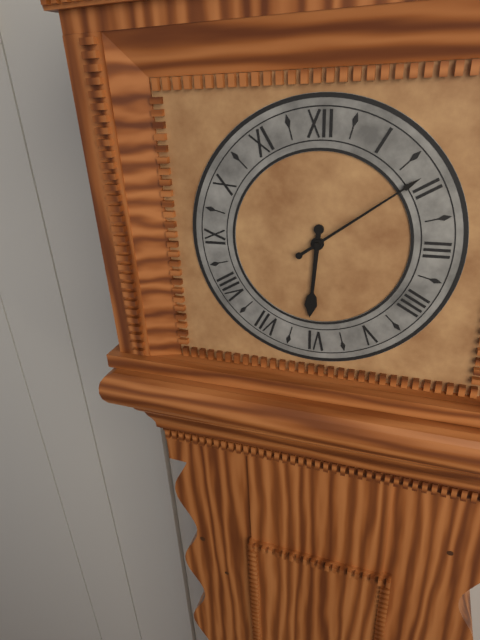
6:09
